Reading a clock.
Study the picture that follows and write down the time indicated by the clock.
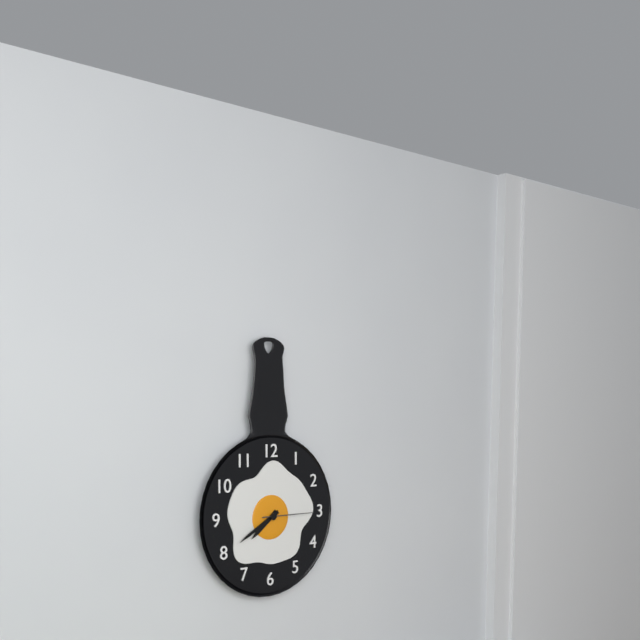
7:40:15
